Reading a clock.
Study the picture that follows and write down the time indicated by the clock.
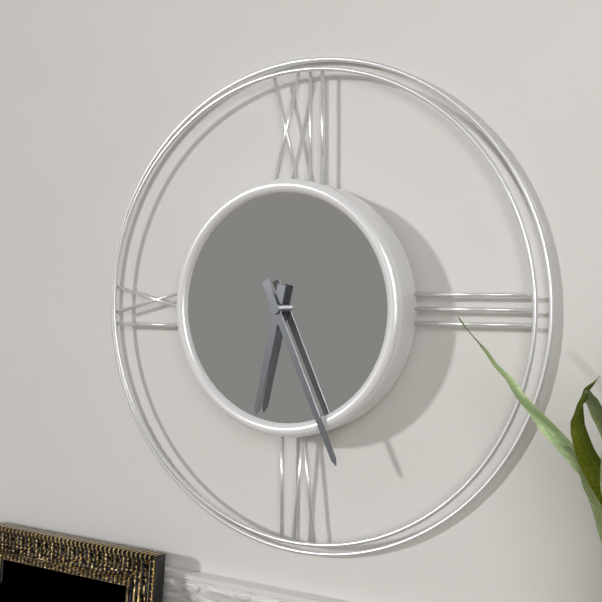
6:26
